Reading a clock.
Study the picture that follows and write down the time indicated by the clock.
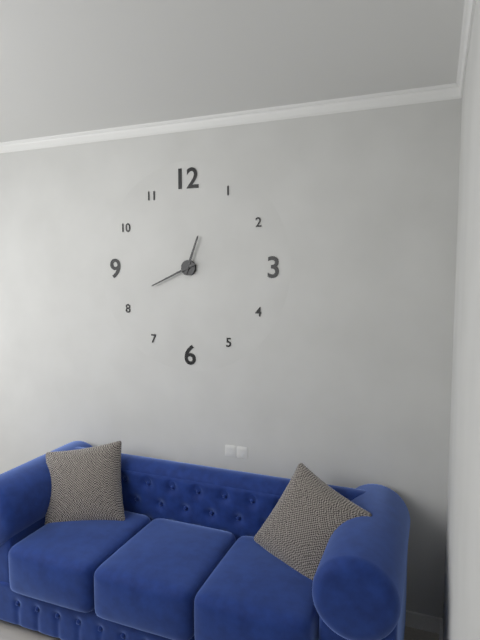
12:41
